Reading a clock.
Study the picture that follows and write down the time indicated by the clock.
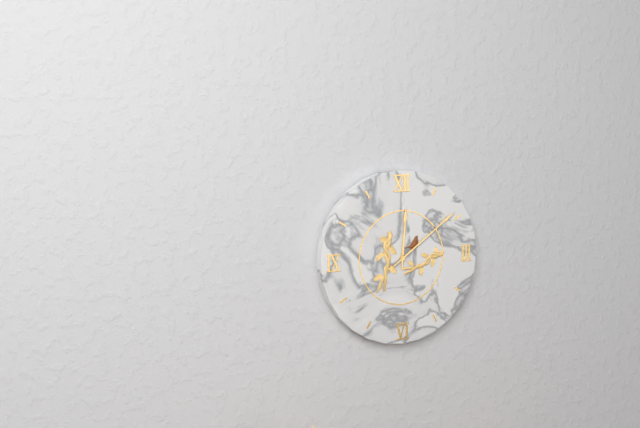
12:09
